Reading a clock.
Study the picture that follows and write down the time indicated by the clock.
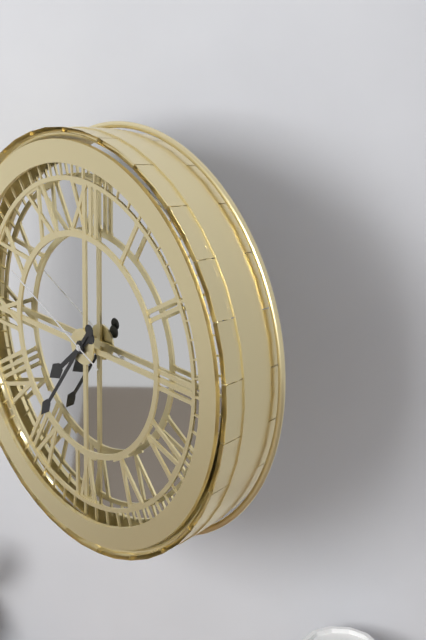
7:36:49
